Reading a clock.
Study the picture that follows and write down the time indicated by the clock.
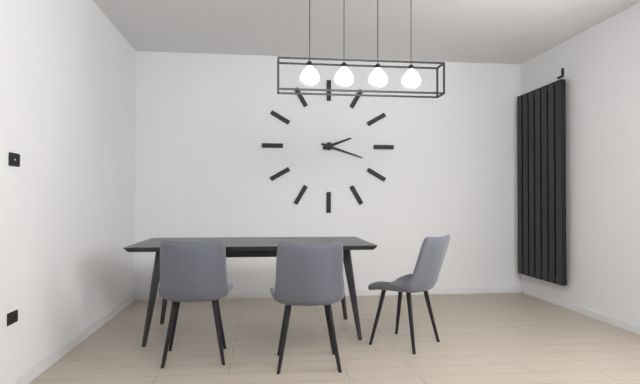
2:18
